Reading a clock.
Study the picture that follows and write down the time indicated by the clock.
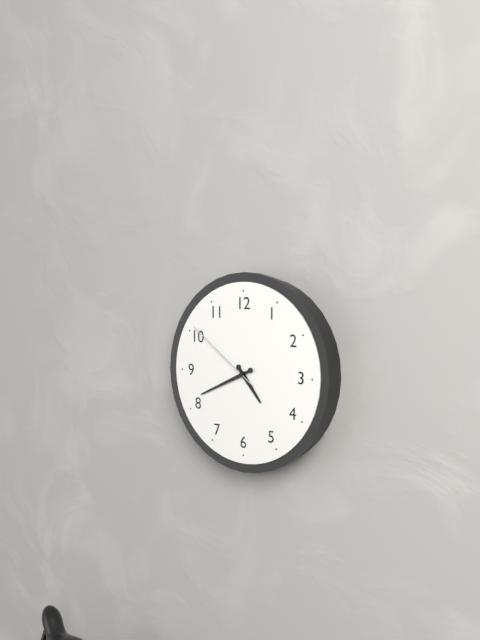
4:41:51
